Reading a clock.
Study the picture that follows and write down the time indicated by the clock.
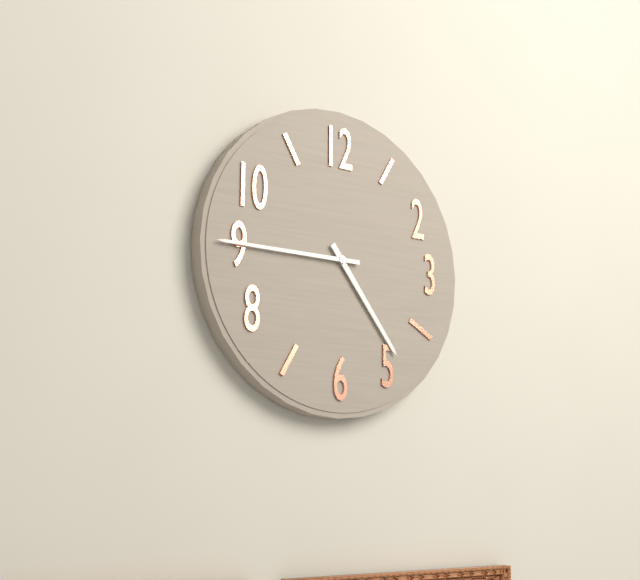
4:45
